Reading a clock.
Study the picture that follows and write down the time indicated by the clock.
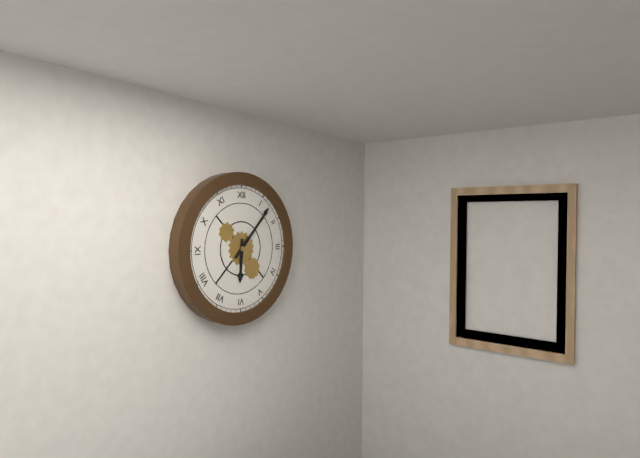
6:07
